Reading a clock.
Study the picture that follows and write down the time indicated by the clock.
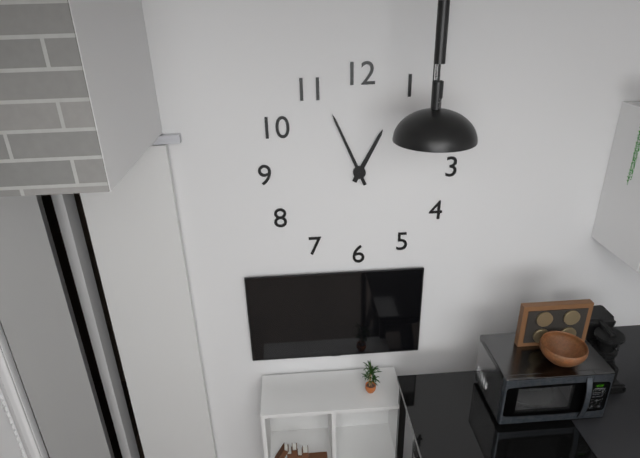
12:56
